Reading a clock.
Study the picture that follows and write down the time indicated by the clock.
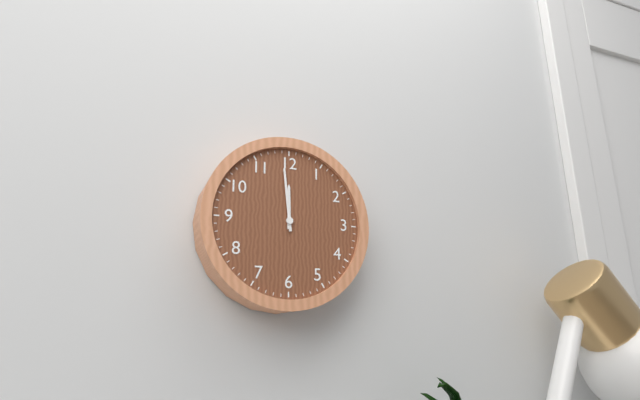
11:59
